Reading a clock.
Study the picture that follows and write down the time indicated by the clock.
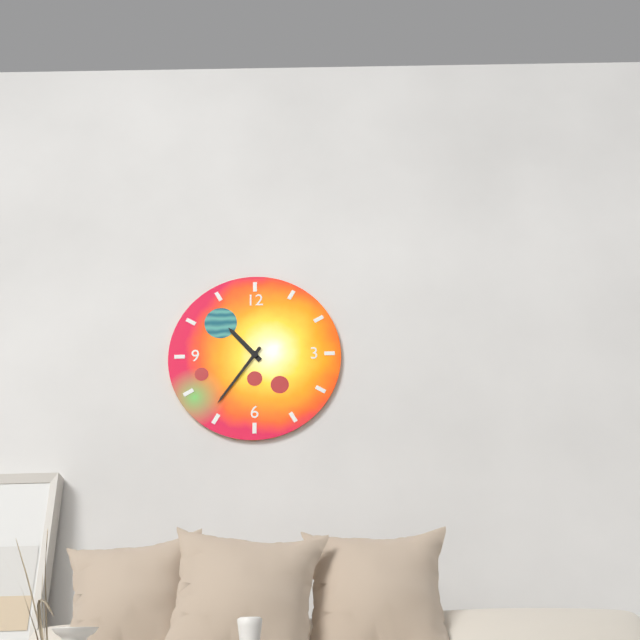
10:36
